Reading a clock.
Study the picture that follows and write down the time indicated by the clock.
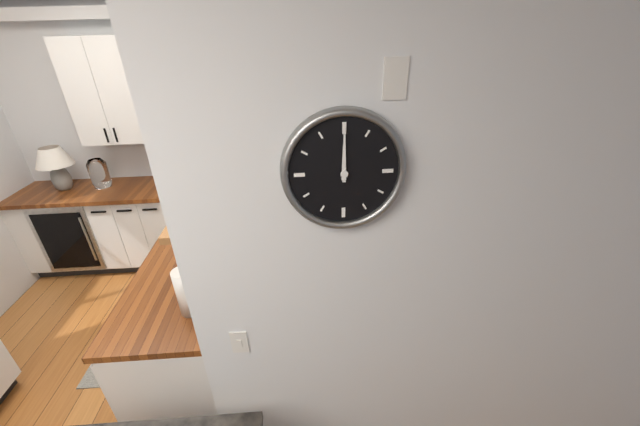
12:00
